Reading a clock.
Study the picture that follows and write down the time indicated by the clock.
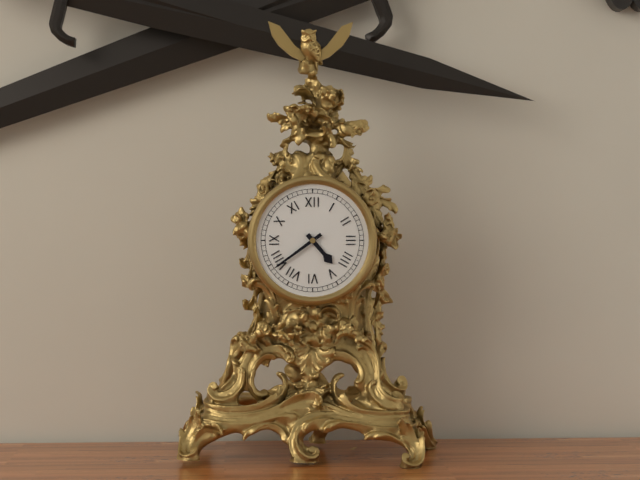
4:39
